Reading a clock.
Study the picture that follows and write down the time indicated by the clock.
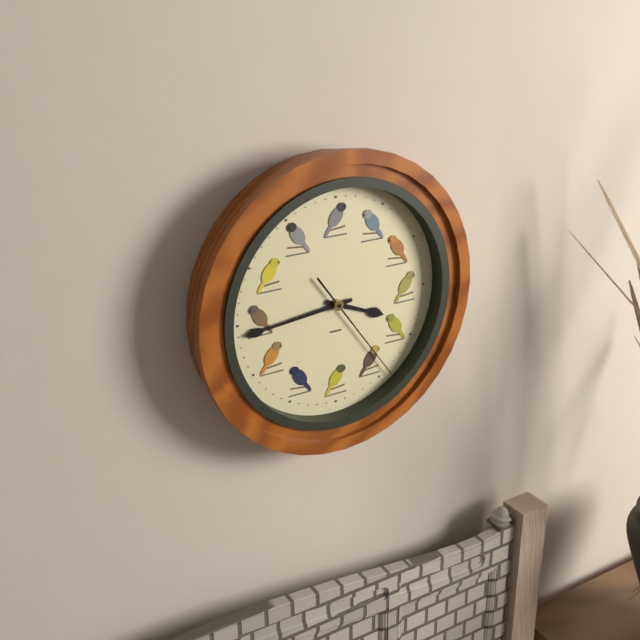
3:44:24
